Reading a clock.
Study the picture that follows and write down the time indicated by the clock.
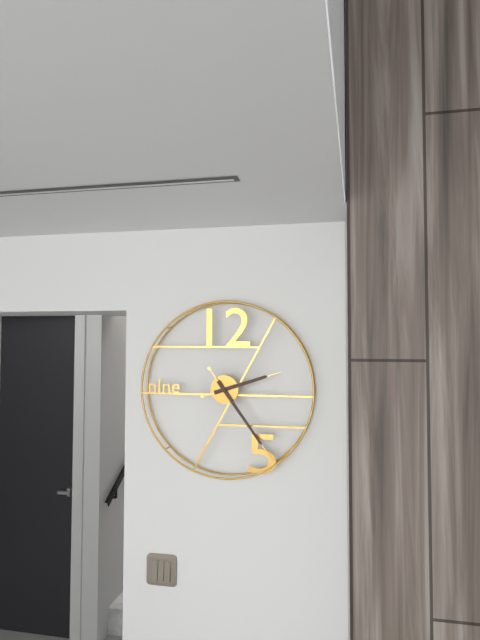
2:24
